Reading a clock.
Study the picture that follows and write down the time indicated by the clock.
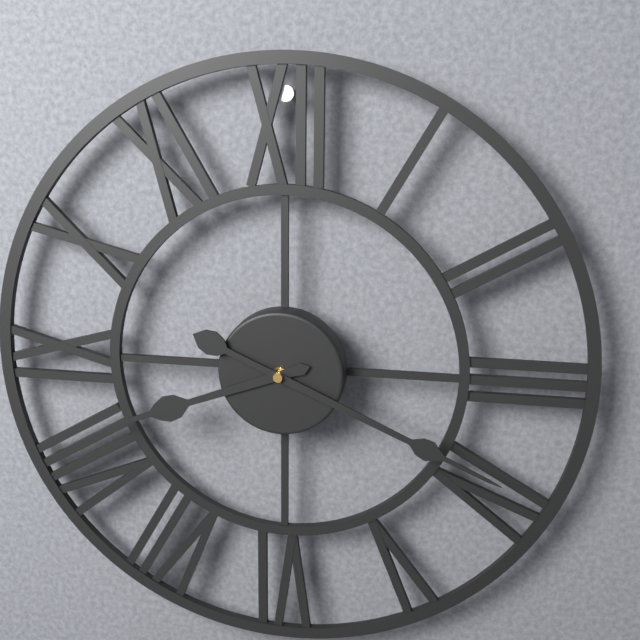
8:19
